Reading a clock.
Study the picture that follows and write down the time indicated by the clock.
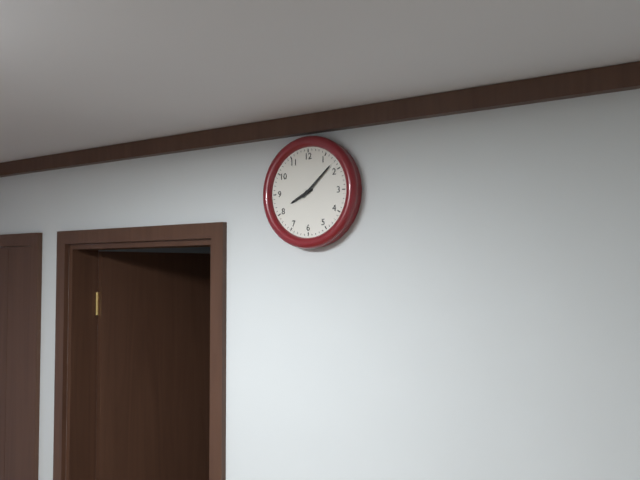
8:08
